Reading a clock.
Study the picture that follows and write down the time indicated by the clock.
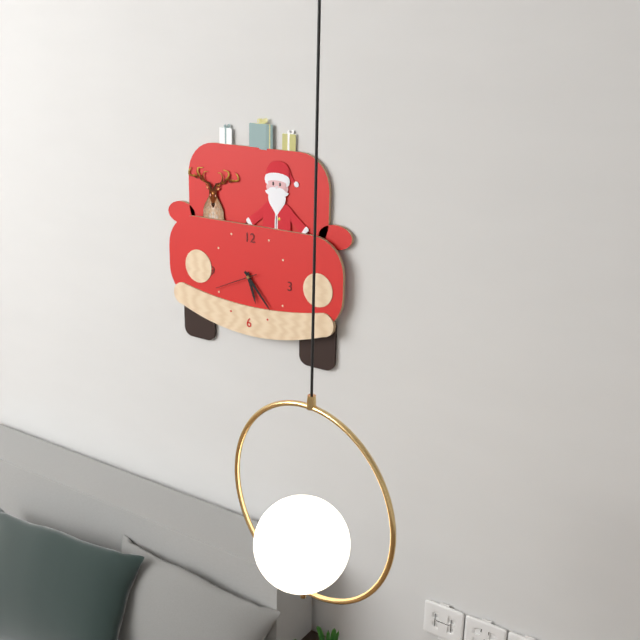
5:23
